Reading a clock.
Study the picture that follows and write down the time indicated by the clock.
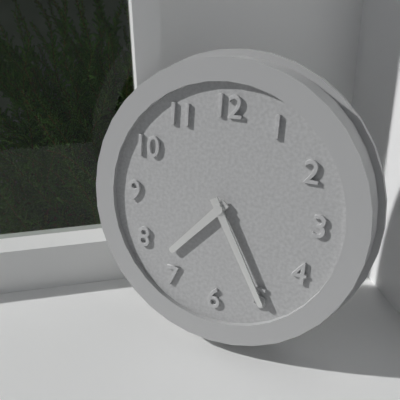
7:25
